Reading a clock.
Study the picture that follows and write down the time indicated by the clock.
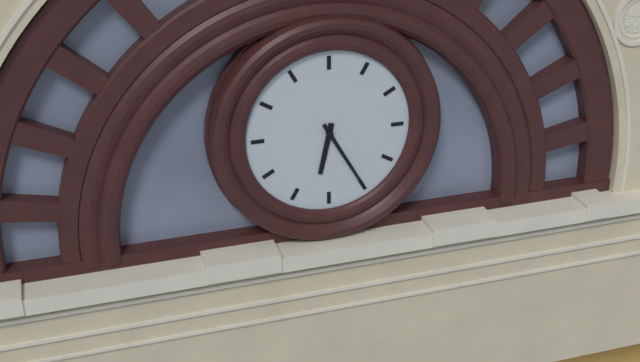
6:25
